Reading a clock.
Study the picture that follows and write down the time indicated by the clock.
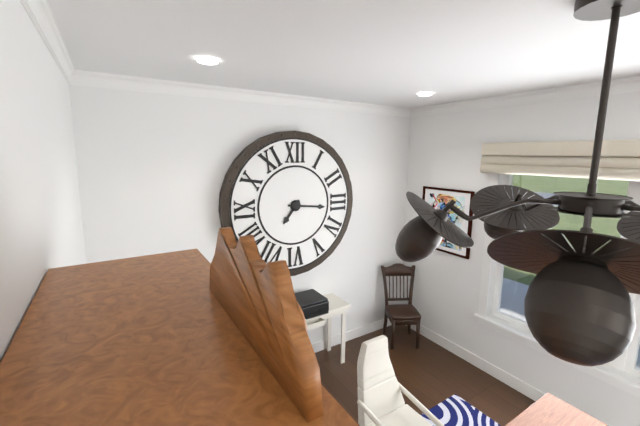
7:16
